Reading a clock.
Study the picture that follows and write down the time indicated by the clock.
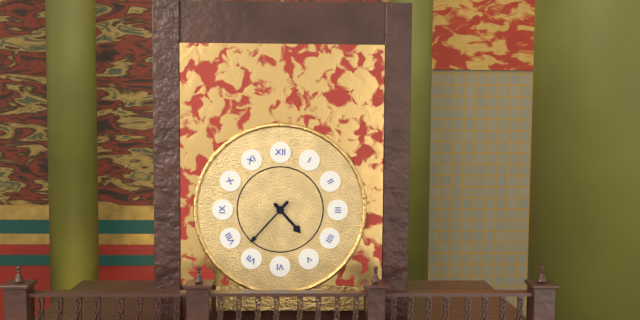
4:37
